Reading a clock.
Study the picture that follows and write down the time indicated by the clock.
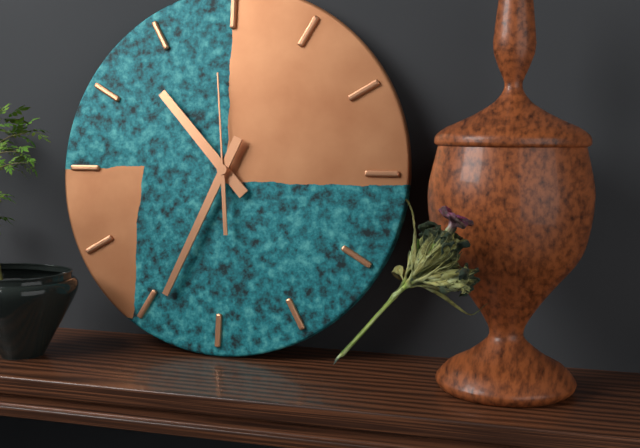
10:34:59
